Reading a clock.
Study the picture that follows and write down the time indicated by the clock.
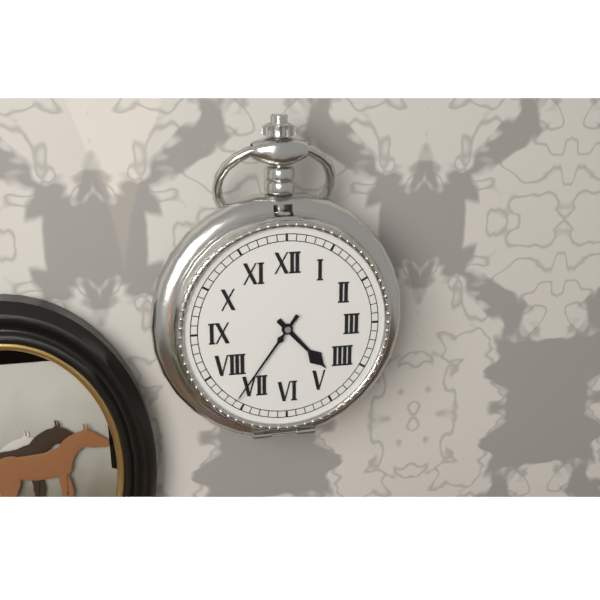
4:36
